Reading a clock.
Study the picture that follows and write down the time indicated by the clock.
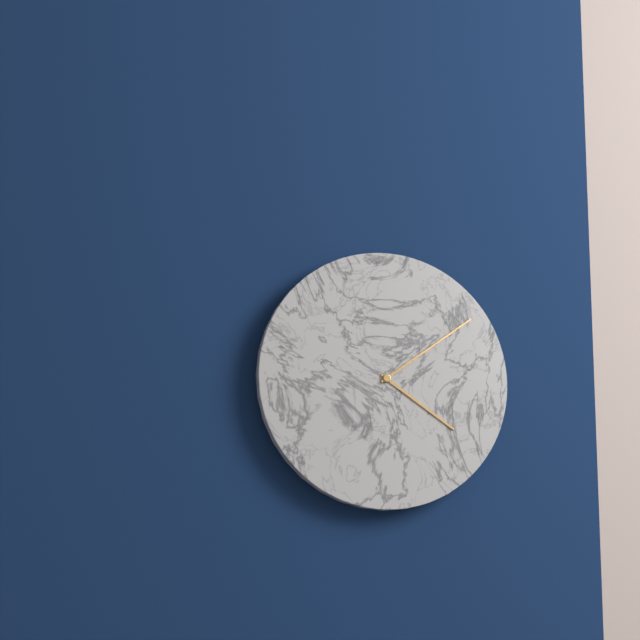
4:09
